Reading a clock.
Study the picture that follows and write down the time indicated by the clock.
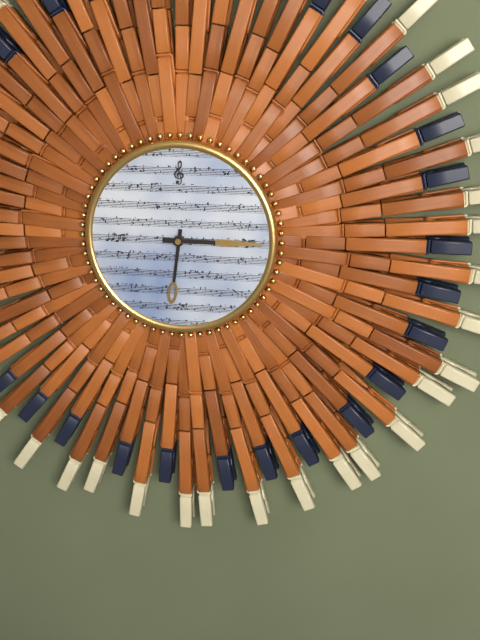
6:15
